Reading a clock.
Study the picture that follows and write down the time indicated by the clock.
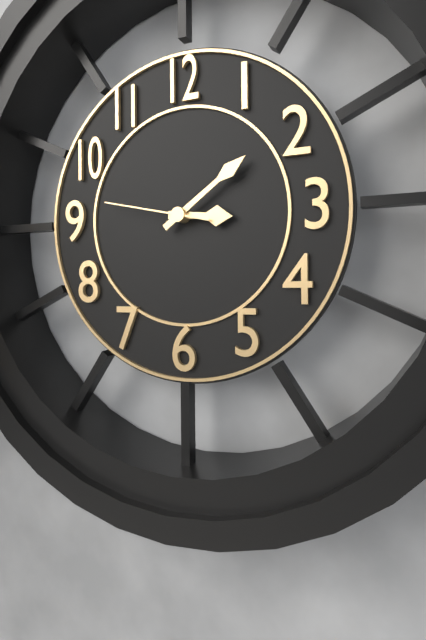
3:09:47
